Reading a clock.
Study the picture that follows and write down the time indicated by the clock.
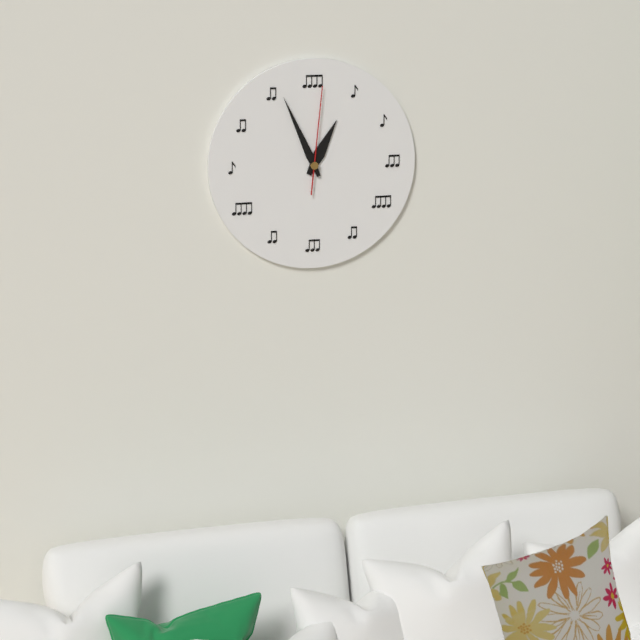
12:56:01
